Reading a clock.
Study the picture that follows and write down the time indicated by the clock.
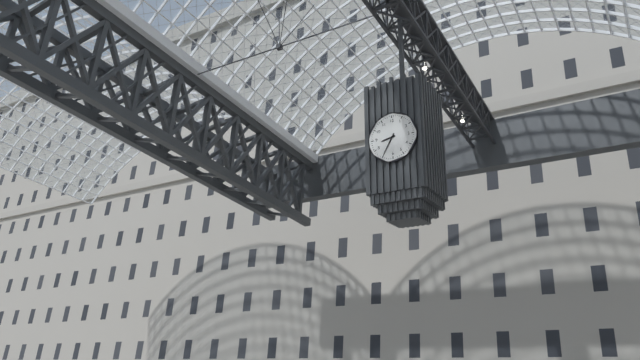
8:35
